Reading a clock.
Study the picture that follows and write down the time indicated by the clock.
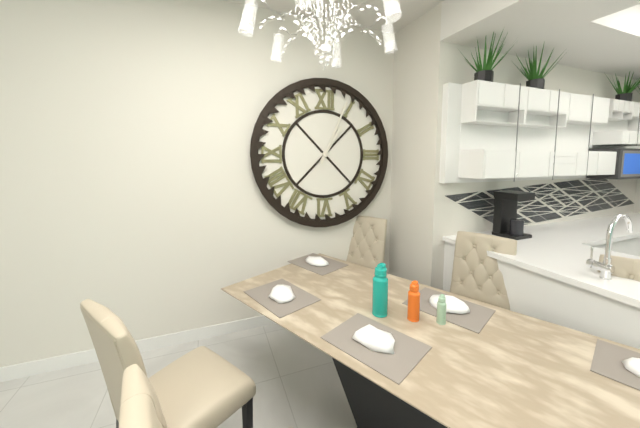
1:04
